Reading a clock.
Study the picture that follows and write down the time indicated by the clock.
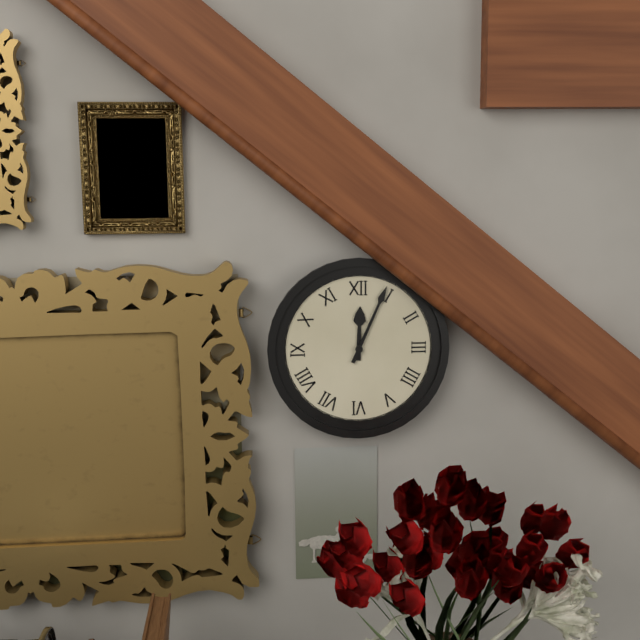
12:04
